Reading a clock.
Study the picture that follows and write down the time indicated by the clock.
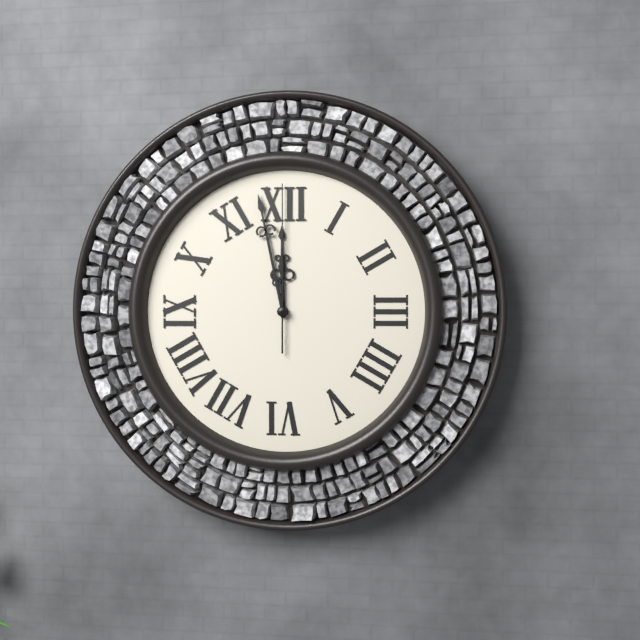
11:58:00
